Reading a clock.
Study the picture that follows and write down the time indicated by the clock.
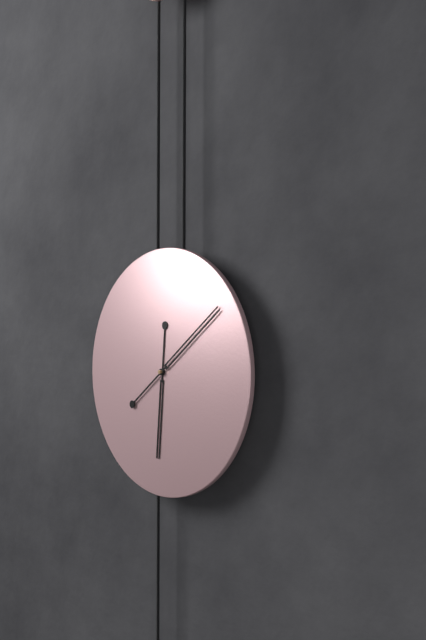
6:09
